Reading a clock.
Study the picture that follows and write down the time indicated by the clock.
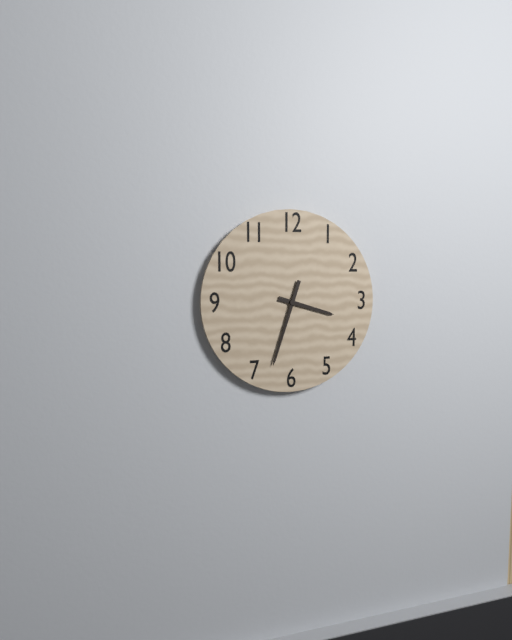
3:33
